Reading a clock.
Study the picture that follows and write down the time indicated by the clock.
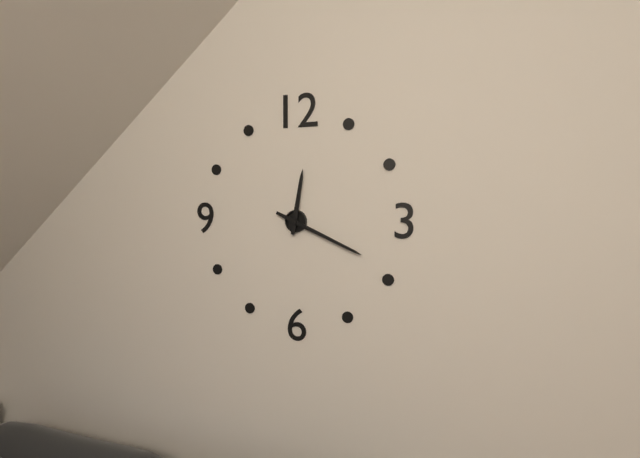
12:19
